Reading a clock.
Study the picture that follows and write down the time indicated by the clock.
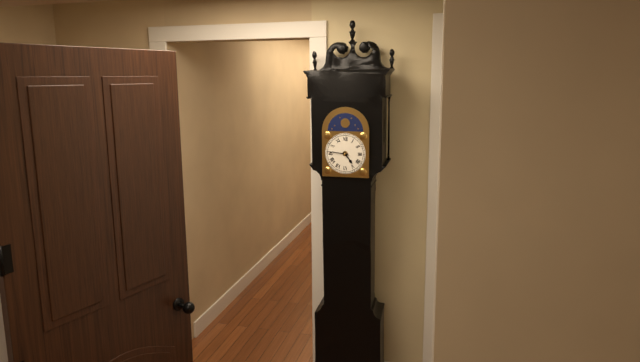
4:46
